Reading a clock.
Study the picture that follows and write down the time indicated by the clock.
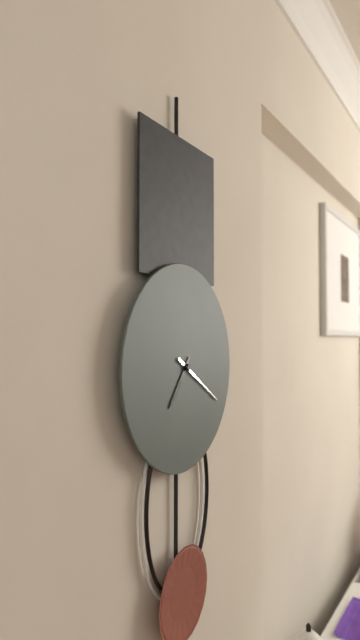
7:20
